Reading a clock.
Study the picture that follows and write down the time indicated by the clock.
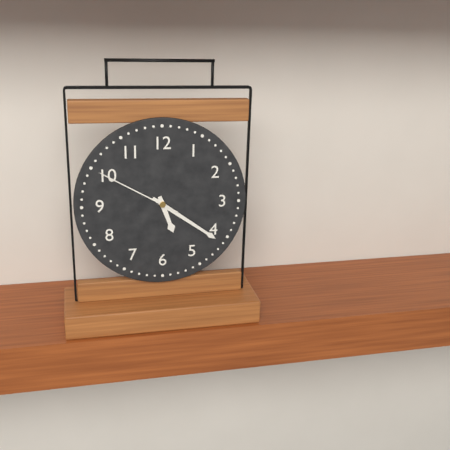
5:21:50
